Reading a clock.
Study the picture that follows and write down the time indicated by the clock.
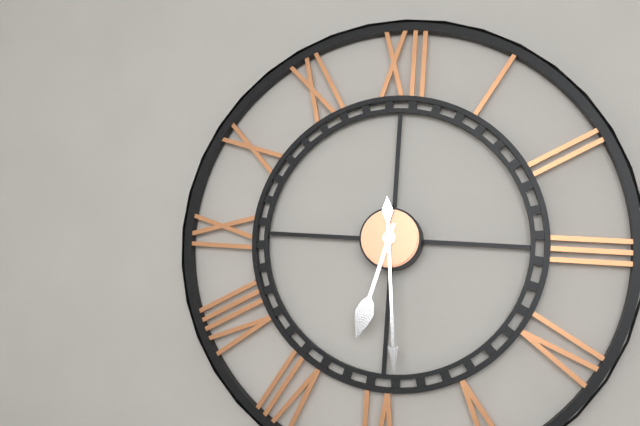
6:29
